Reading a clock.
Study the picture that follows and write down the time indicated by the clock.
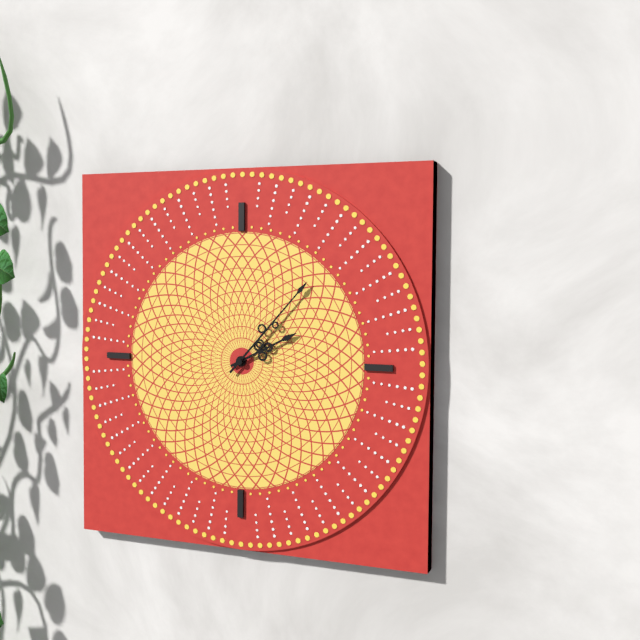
2:07
